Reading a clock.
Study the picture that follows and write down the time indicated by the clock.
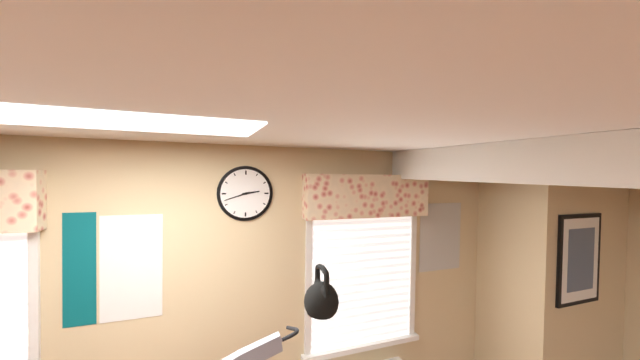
2:42
